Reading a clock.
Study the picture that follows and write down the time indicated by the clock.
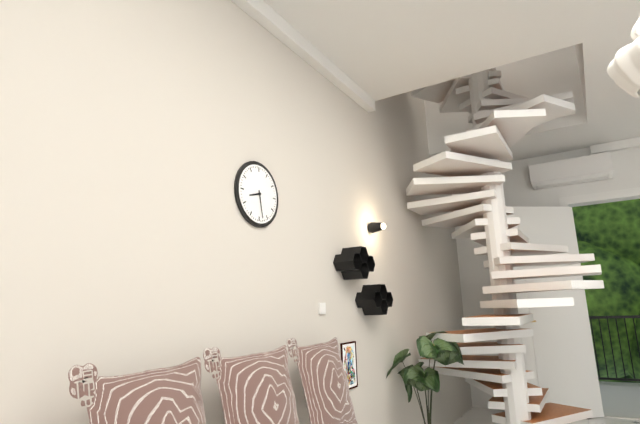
8:28
